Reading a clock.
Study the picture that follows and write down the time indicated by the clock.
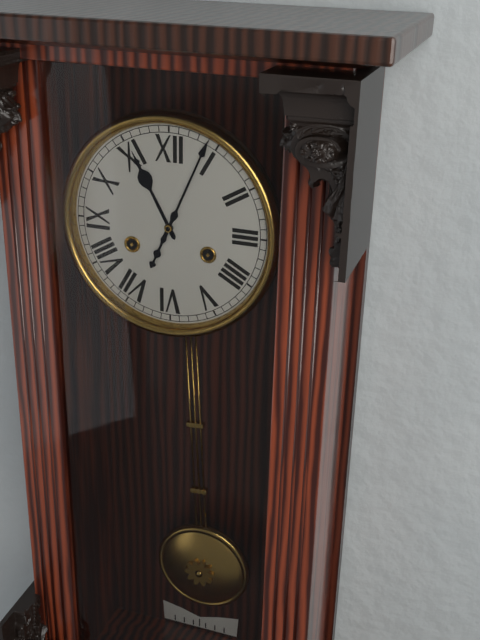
11:04
